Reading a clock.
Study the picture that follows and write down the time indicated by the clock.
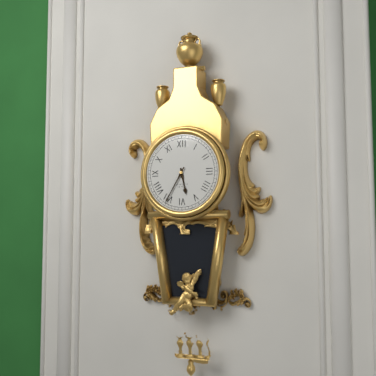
5:35
